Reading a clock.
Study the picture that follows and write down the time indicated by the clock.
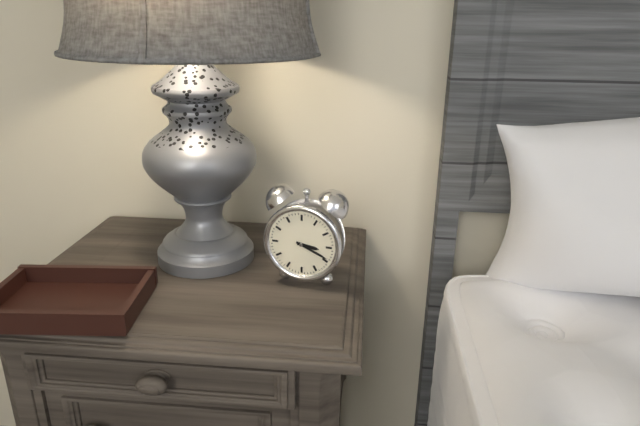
3:19
